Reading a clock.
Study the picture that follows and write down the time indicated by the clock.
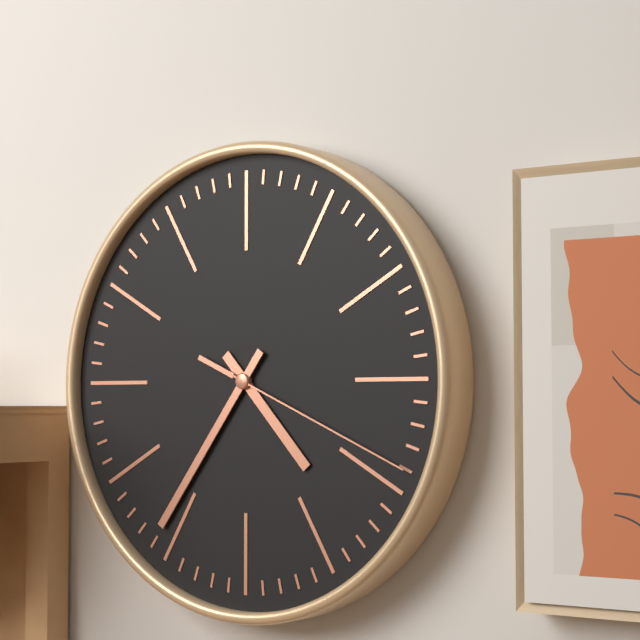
4:36:19
